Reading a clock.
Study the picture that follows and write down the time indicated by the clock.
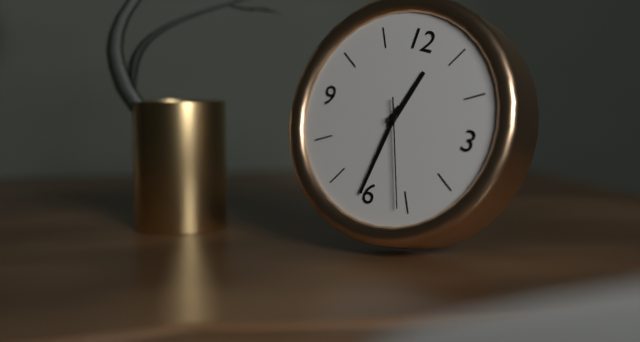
12:31:26
